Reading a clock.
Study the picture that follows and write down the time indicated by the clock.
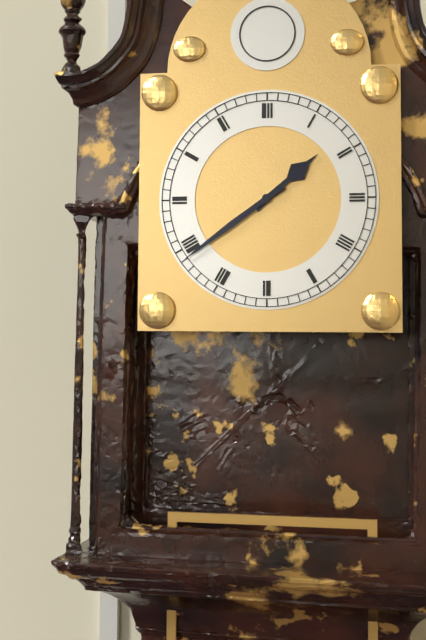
1:39
